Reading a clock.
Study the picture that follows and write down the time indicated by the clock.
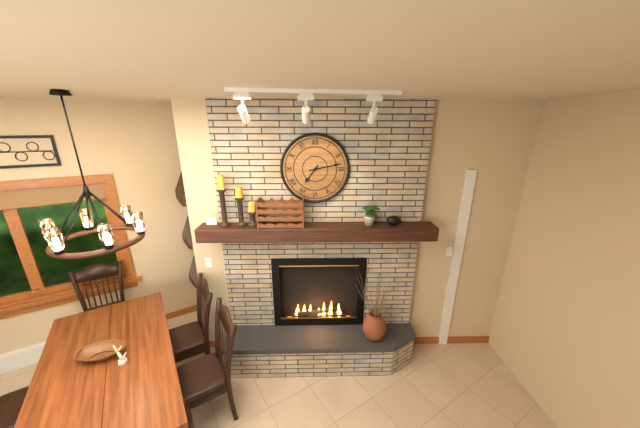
7:13
